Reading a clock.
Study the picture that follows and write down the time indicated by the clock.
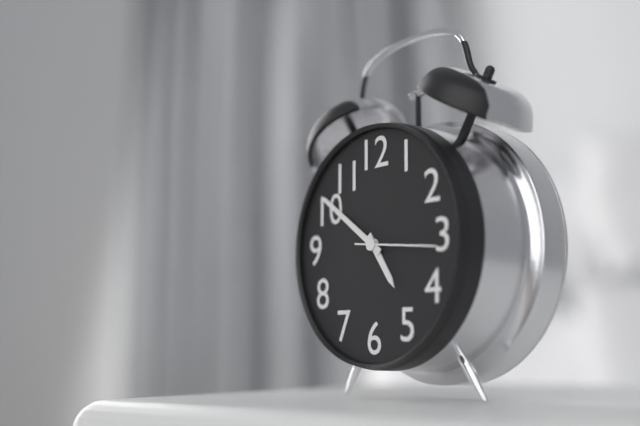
4:51:16
